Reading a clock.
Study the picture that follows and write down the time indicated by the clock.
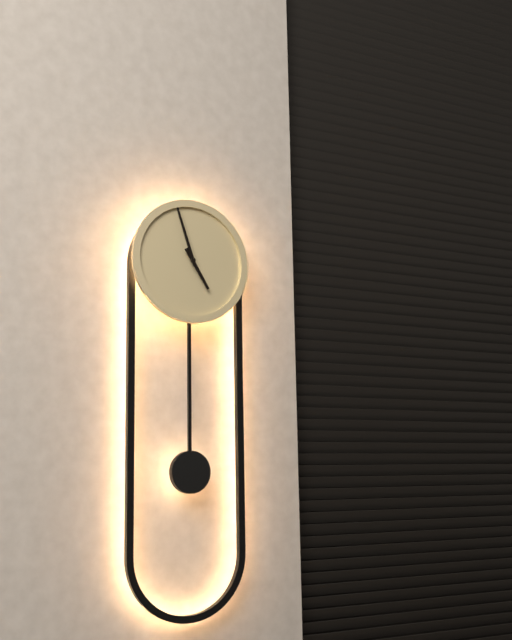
4:57
